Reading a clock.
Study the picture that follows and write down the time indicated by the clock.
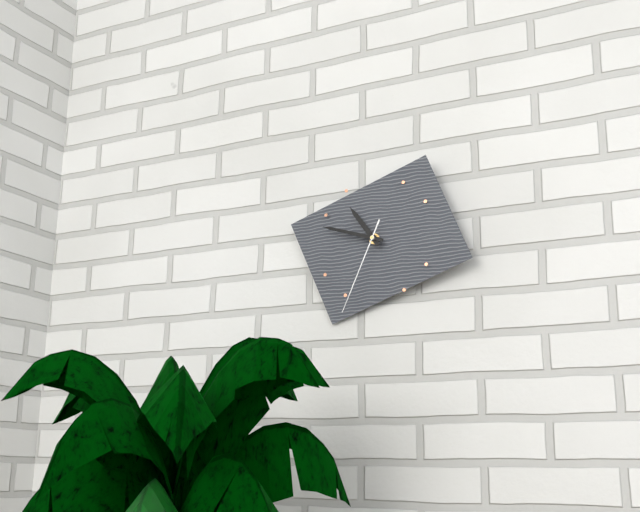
10:48:34
